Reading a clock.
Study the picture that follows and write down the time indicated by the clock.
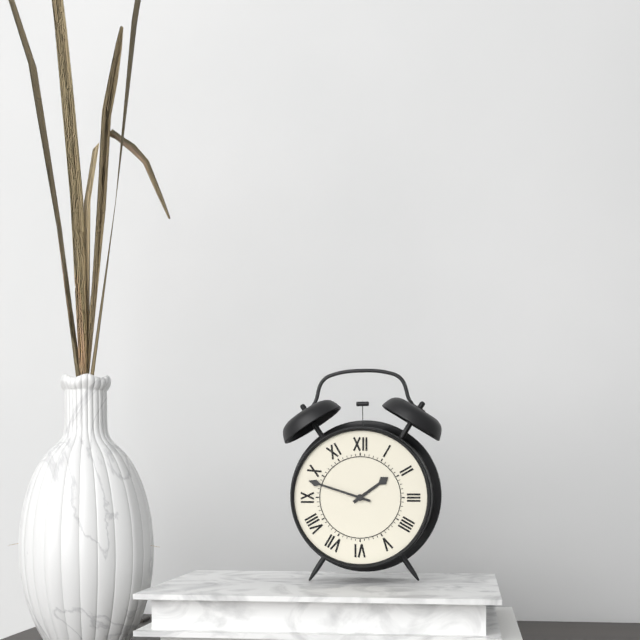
1:48
